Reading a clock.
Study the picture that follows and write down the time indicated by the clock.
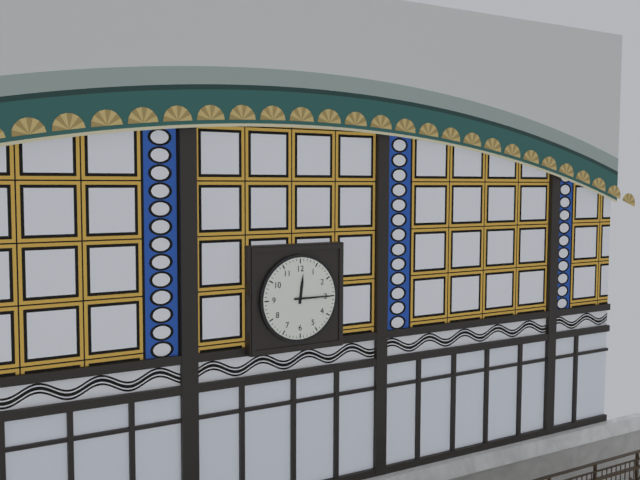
12:15
